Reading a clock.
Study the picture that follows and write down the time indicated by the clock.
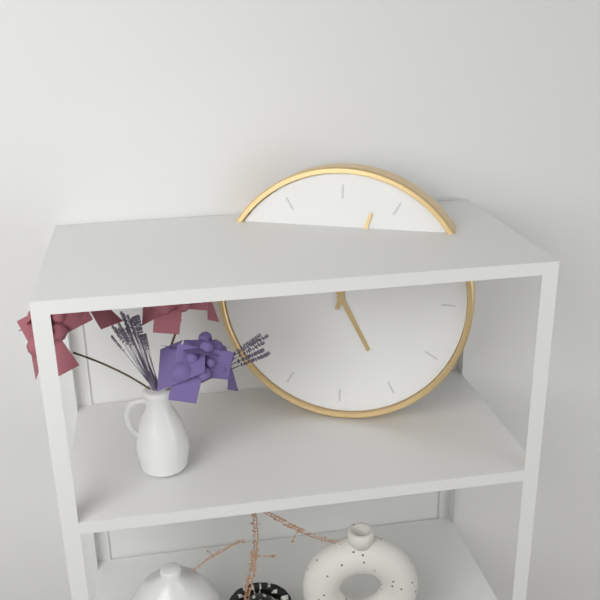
5:03
